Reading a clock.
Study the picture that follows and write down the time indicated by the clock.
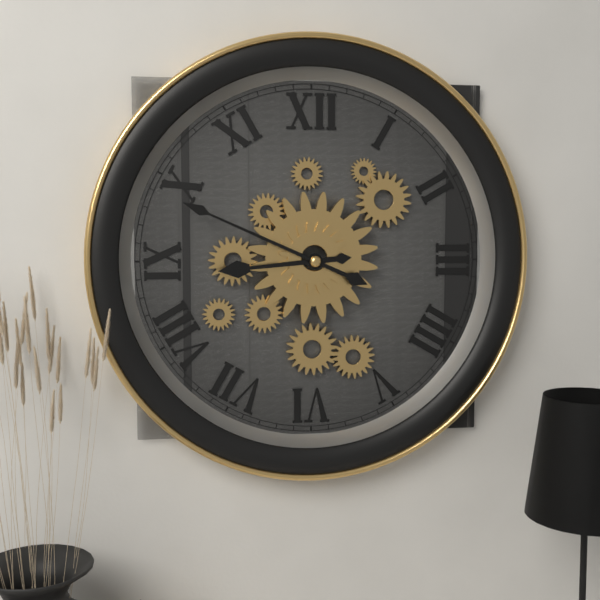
8:49
